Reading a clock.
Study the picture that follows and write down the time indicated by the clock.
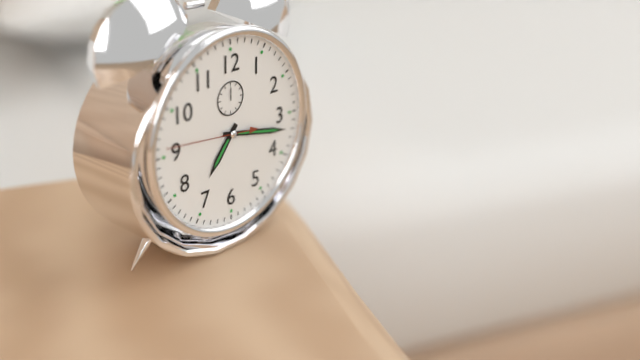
7:17:46
